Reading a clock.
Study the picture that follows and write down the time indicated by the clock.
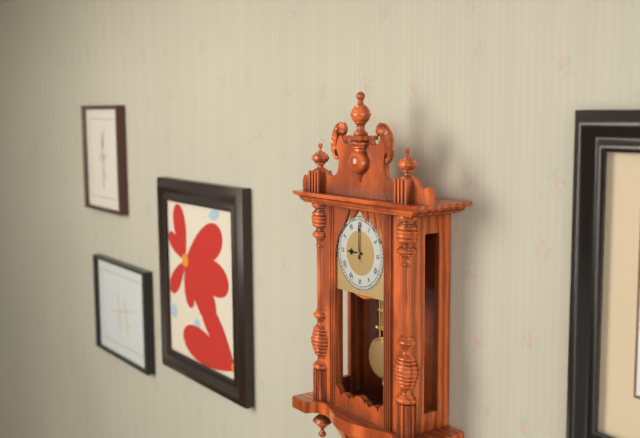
9:00
